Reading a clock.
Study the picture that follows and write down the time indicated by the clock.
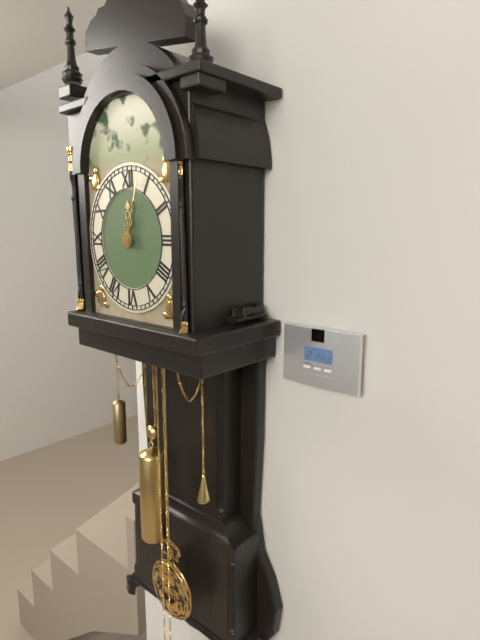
12:03
